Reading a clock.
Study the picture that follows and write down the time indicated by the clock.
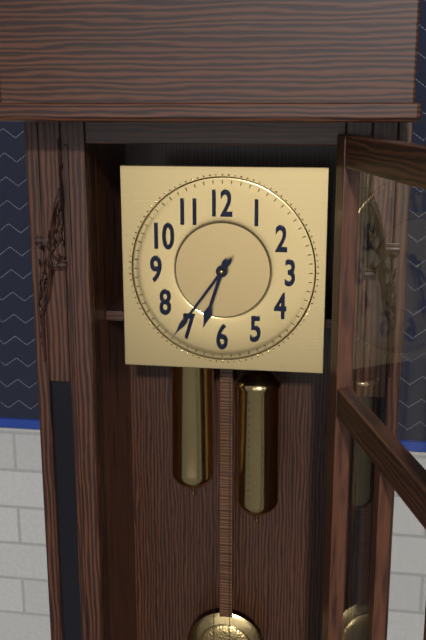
6:36
